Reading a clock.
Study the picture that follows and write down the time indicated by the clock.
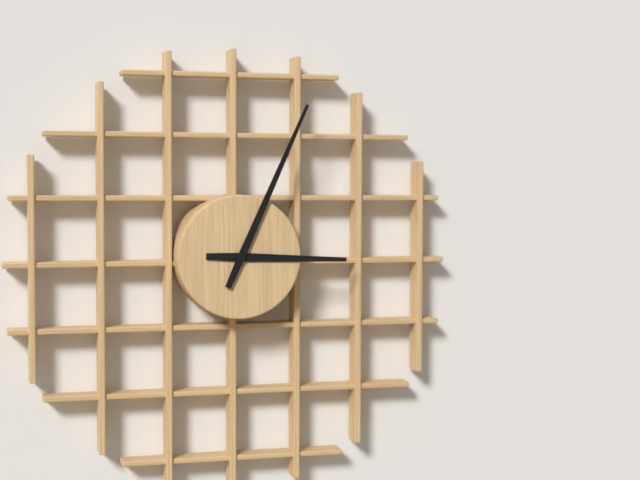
3:04
